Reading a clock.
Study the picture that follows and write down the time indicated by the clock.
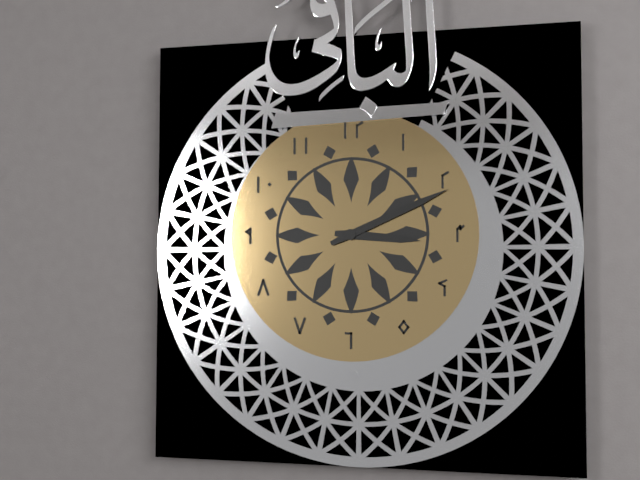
3:11
